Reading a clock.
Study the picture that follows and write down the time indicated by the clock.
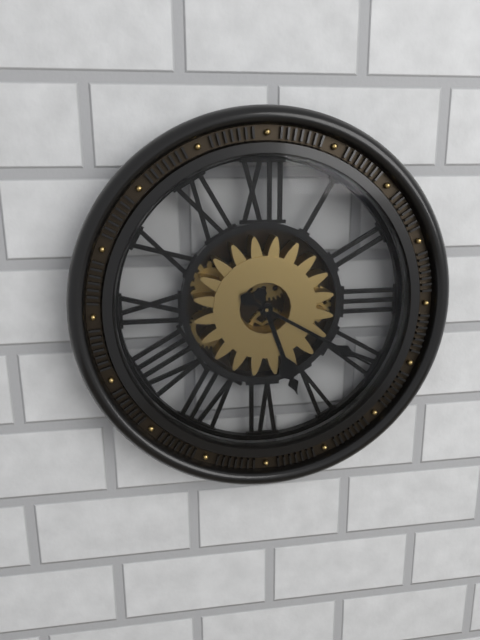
5:20
